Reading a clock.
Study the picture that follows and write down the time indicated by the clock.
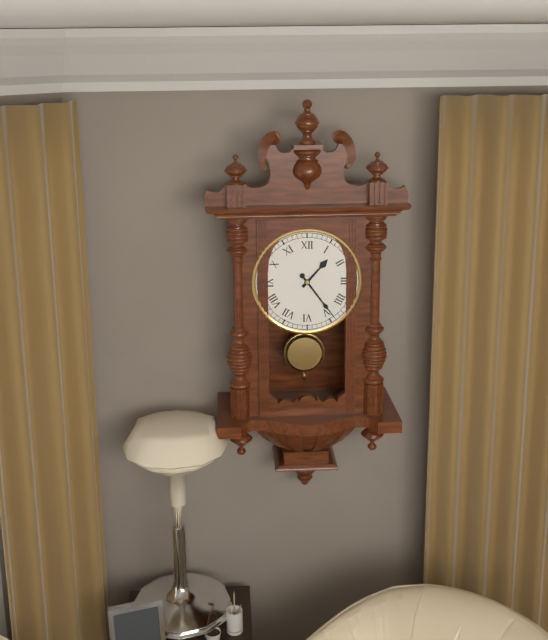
1:24
